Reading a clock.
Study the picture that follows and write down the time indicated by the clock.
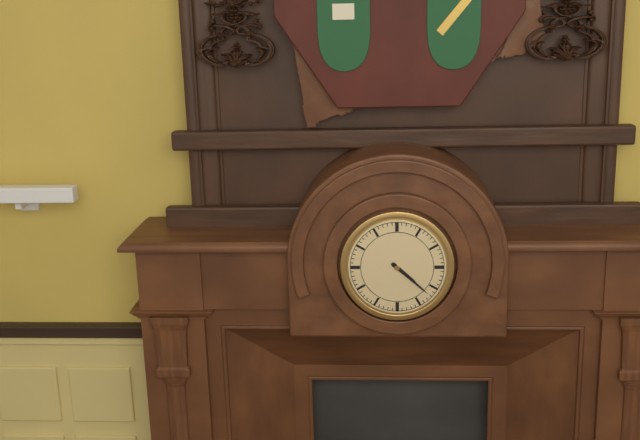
4:22
